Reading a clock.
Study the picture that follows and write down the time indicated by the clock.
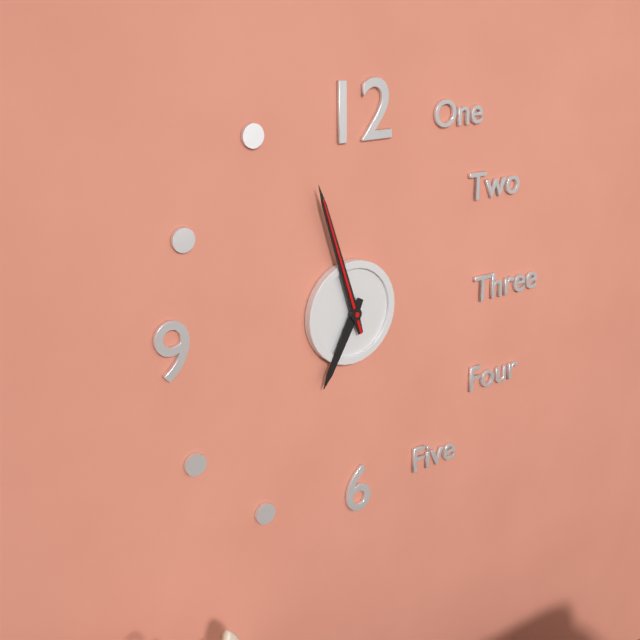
6:57:57
